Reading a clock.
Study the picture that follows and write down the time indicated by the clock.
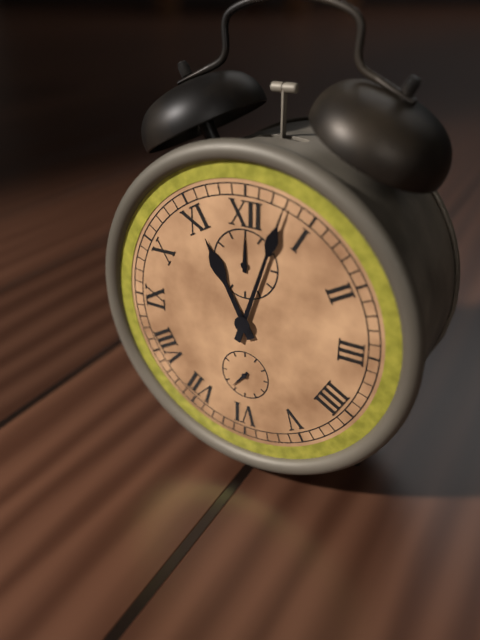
11:03
